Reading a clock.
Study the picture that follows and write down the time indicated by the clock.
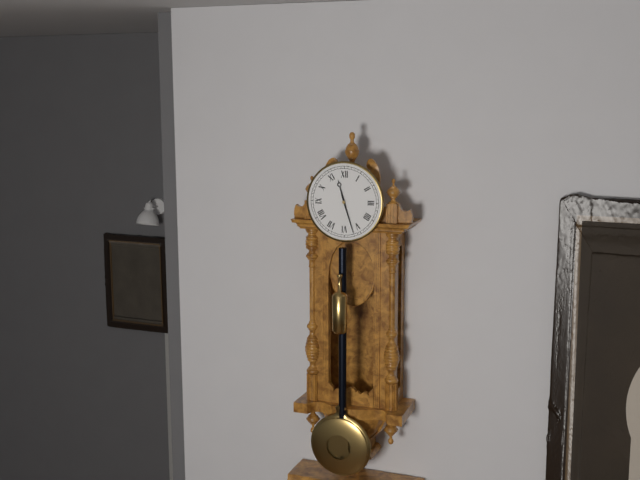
11:27
